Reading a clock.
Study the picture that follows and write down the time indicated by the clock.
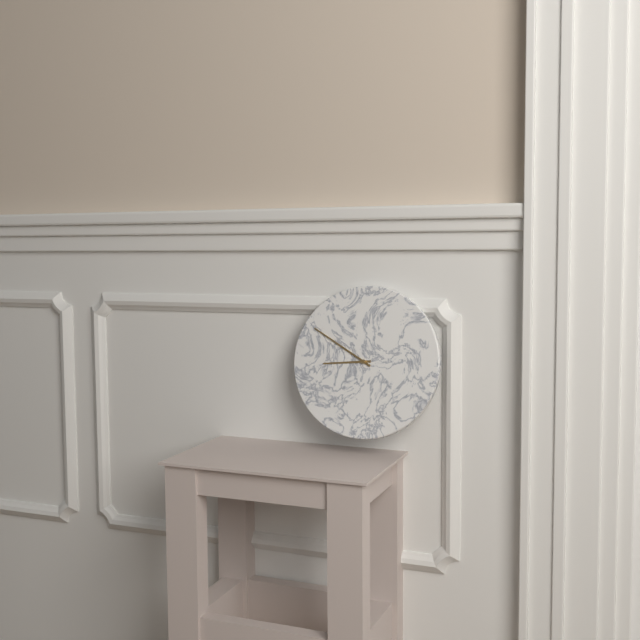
8:50
